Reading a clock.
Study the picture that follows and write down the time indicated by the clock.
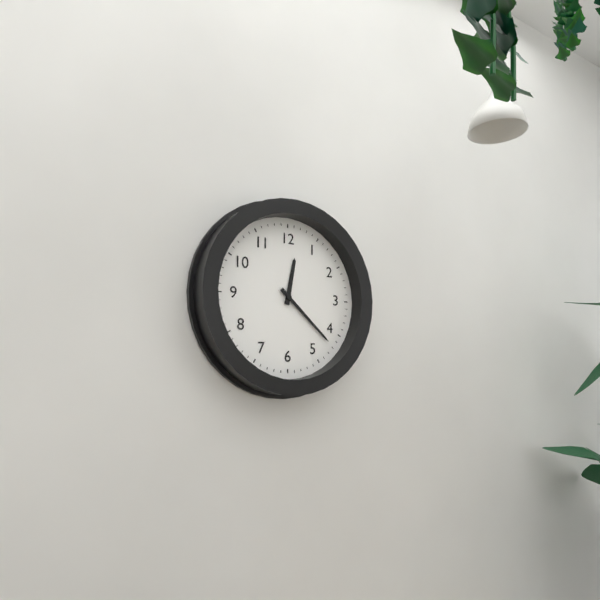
12:22
